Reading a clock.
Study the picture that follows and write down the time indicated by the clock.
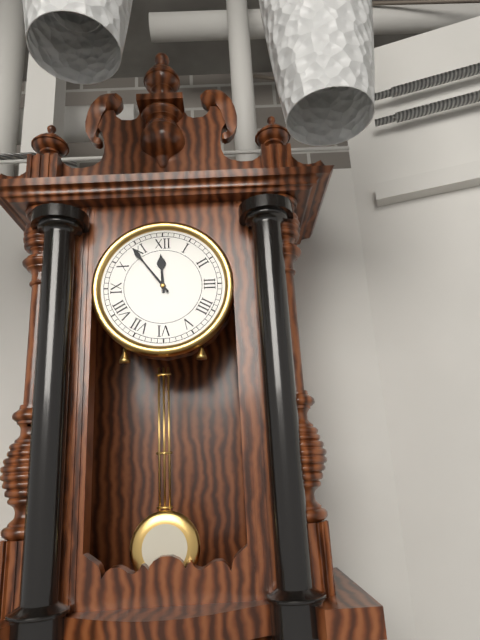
11:54
